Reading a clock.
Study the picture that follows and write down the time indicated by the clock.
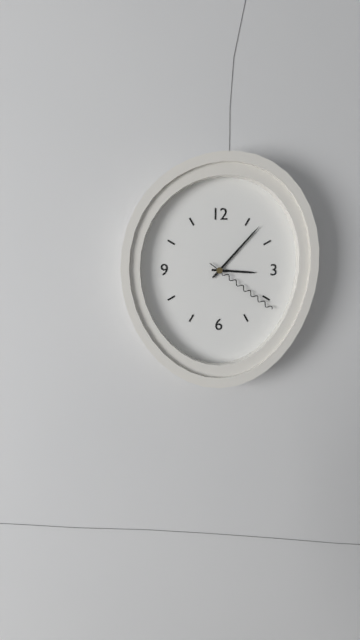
3:07:21
